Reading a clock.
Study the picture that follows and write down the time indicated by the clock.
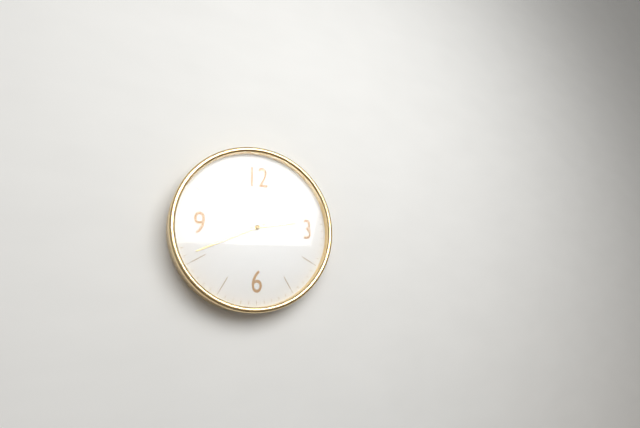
2:41
